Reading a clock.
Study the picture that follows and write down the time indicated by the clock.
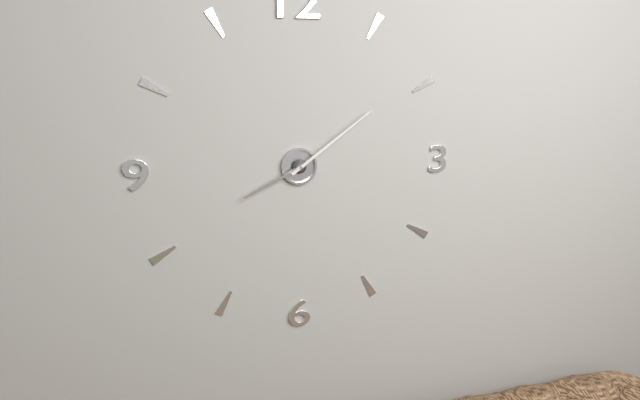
8:09
